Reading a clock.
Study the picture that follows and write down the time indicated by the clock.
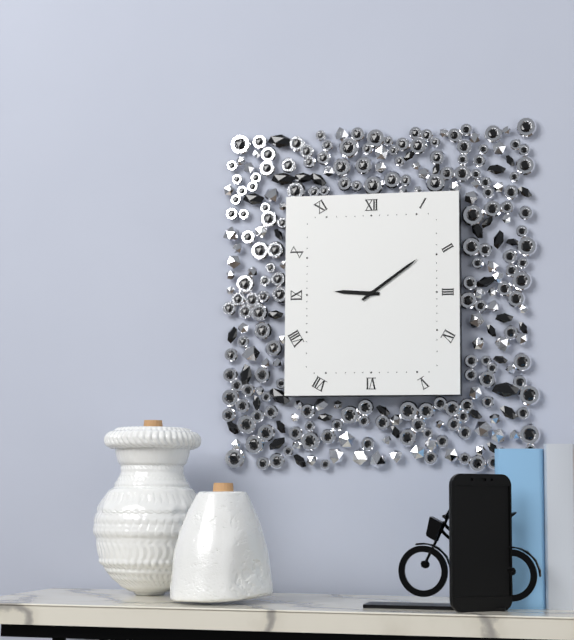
9:09
